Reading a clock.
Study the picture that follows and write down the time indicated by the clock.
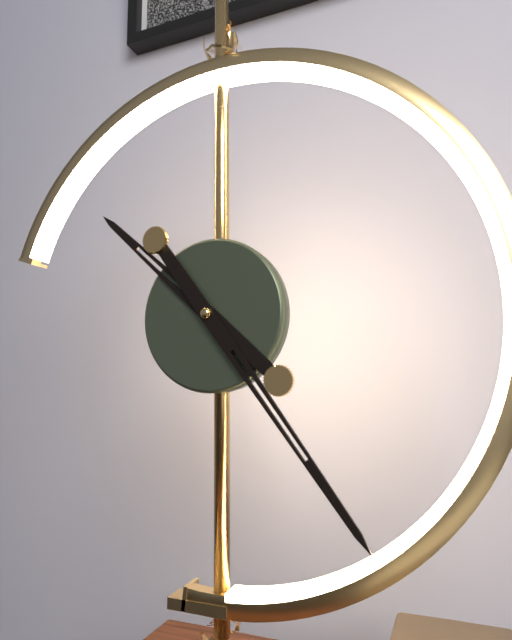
10:24
